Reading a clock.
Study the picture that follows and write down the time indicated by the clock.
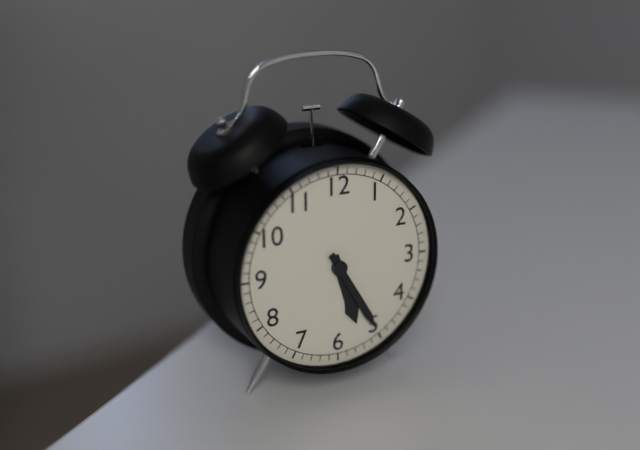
5:25
